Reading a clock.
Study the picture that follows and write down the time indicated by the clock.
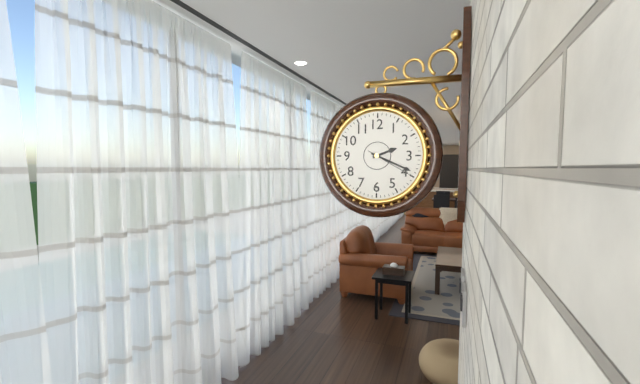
2:19
